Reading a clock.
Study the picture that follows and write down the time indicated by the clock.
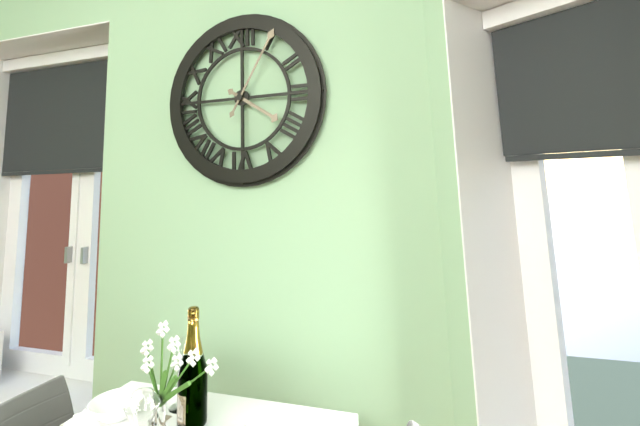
4:05
